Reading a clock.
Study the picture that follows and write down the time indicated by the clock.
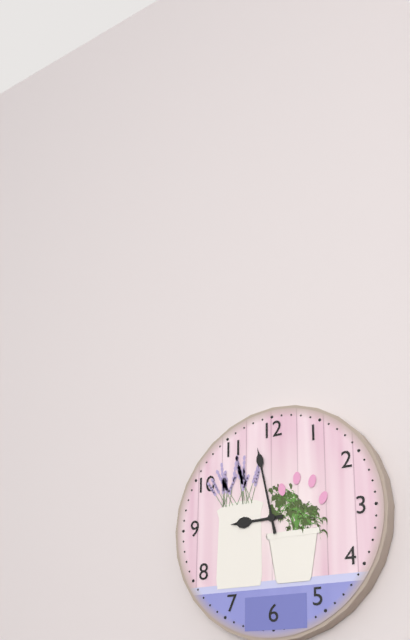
8:58
